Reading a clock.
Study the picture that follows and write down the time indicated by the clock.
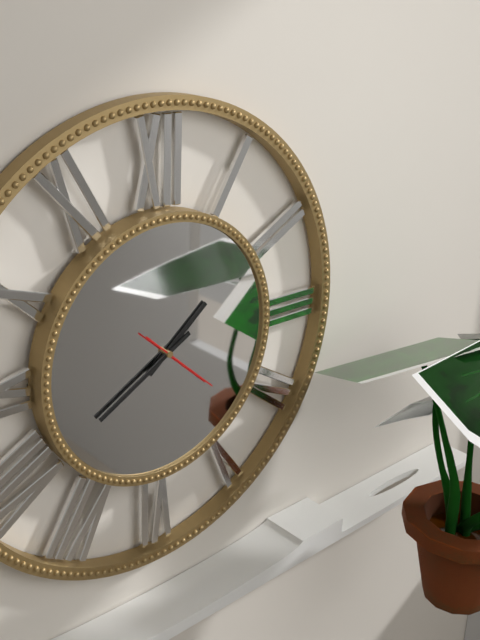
1:40:22
